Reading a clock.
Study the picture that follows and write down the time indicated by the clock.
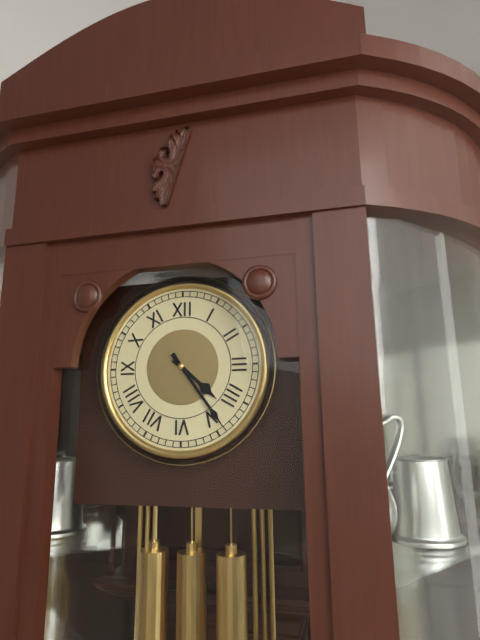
4:24
